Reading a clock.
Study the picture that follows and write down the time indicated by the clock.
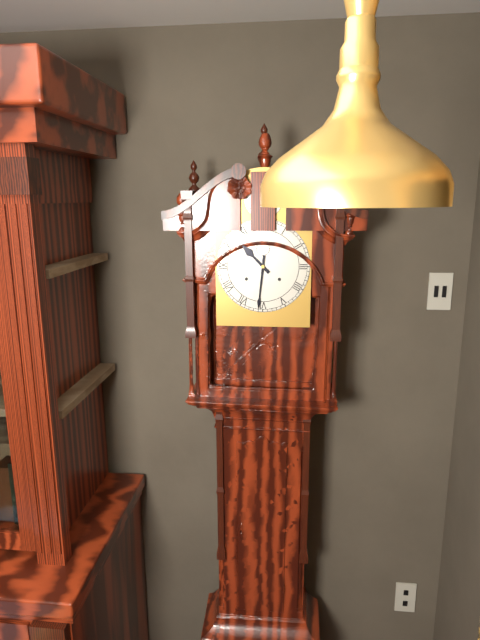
10:31
